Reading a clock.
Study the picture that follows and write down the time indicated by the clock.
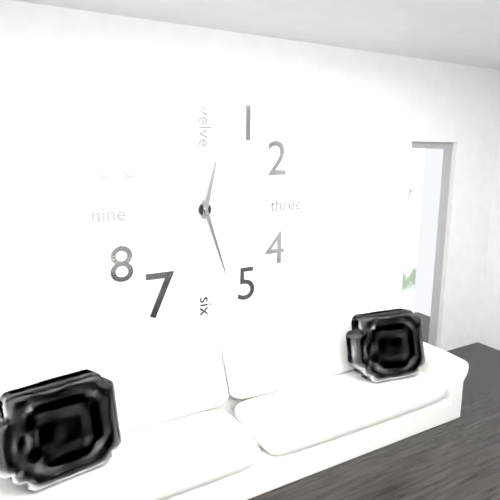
12:27
